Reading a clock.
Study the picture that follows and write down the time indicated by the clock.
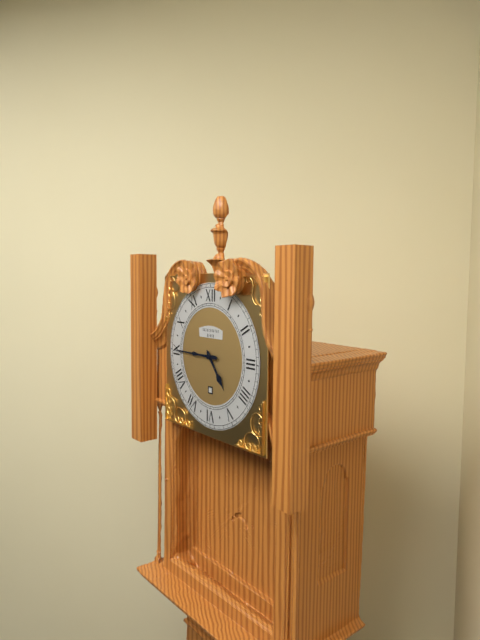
4:45
